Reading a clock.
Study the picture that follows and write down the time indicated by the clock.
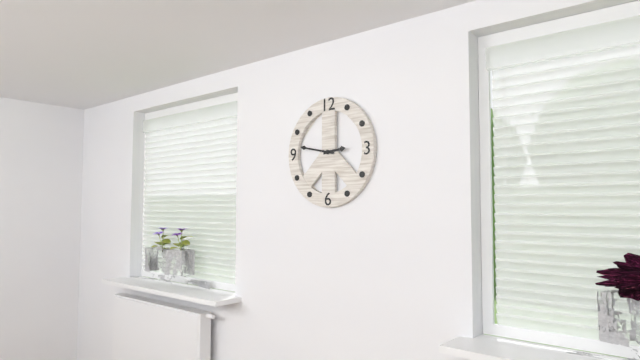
2:47
